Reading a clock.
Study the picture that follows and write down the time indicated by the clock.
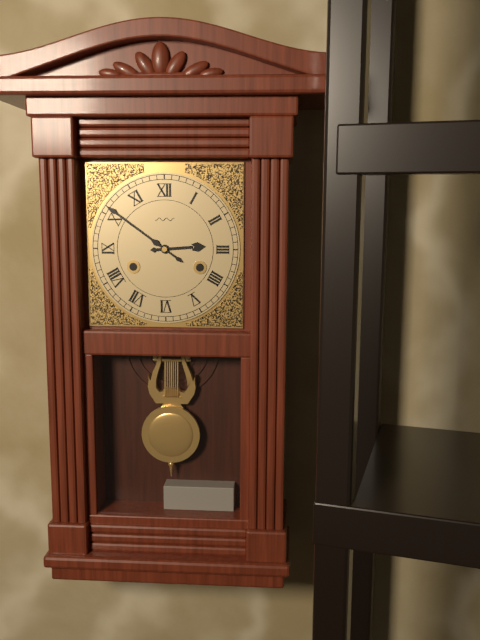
2:51
